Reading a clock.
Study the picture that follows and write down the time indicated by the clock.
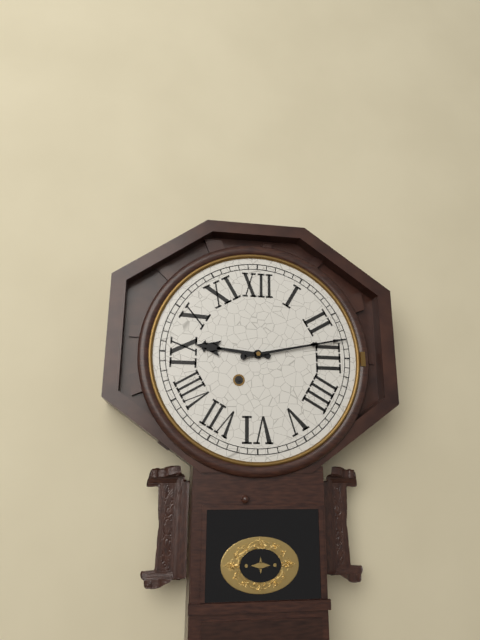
9:13
